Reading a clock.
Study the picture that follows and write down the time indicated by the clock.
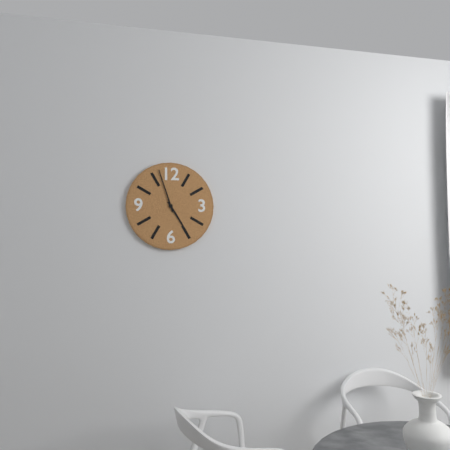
4:57
